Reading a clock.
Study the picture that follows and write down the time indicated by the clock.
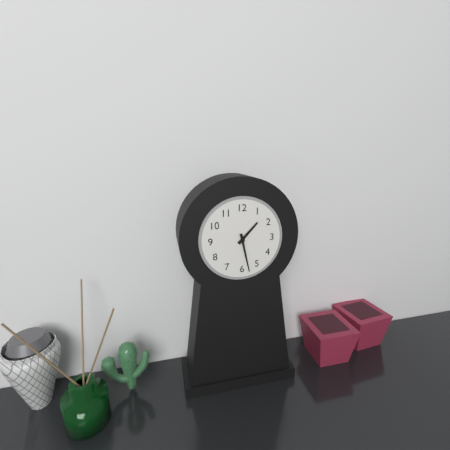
1:28
